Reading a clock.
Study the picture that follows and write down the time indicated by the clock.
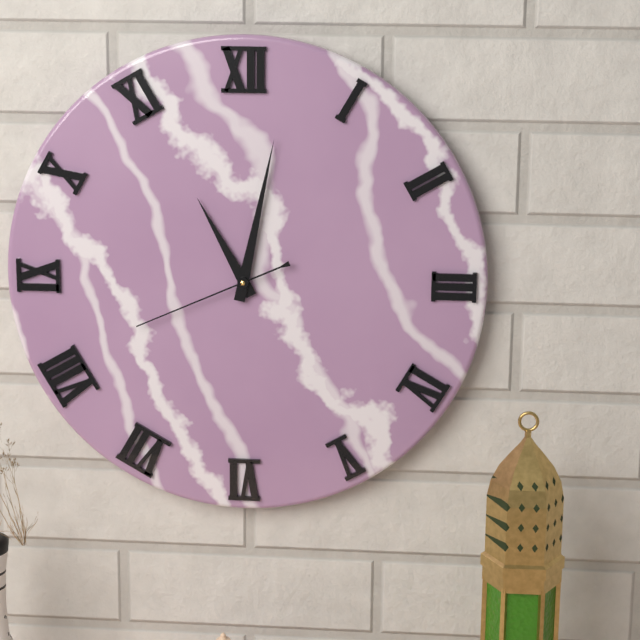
11:02:41
